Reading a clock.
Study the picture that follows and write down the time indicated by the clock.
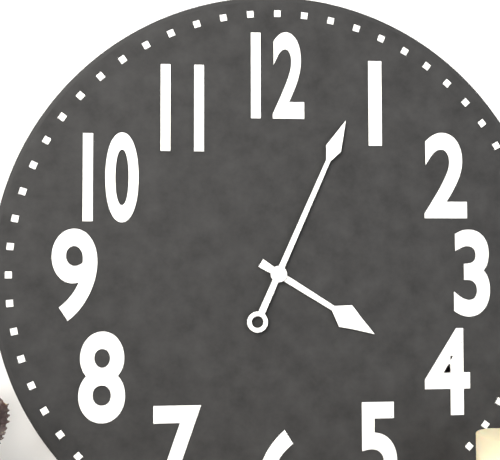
4:04
